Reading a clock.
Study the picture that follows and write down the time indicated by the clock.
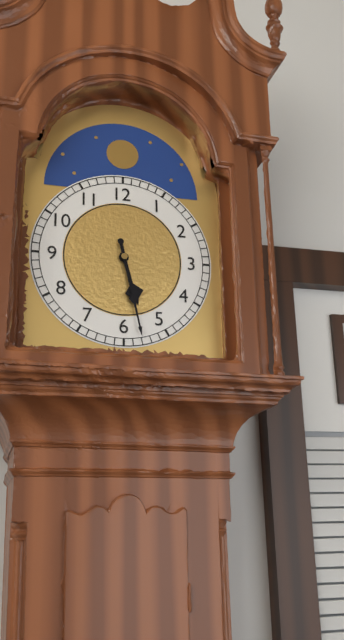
5:28
